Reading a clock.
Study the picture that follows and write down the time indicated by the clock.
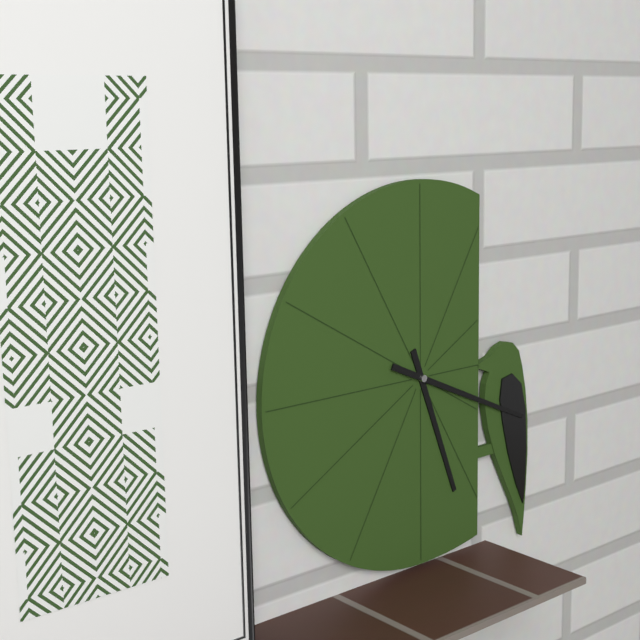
5:19
